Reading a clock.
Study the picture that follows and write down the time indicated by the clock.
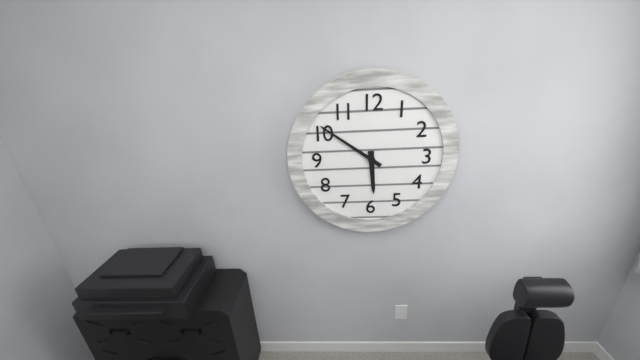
5:51
